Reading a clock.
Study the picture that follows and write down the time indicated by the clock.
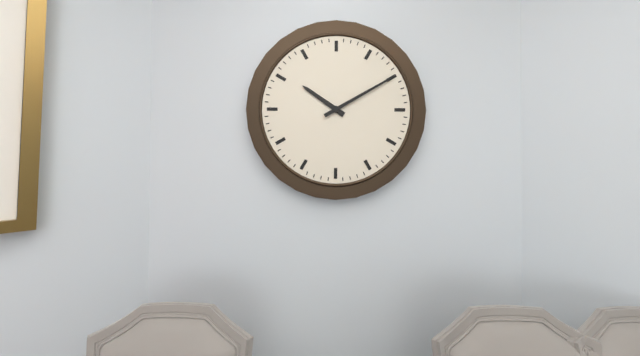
10:10
